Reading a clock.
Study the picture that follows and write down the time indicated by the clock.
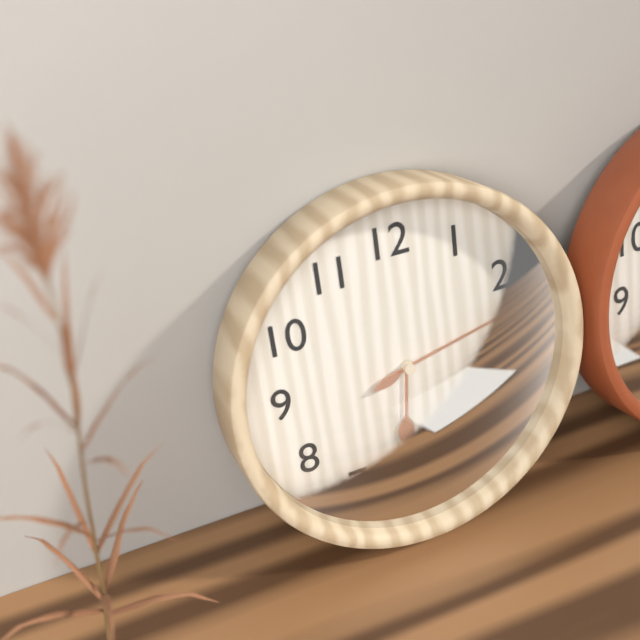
6:13:42
